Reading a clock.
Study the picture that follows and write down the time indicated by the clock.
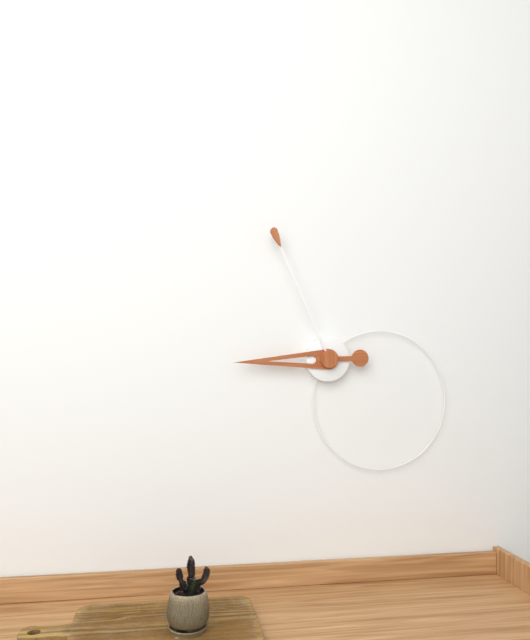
8:56
